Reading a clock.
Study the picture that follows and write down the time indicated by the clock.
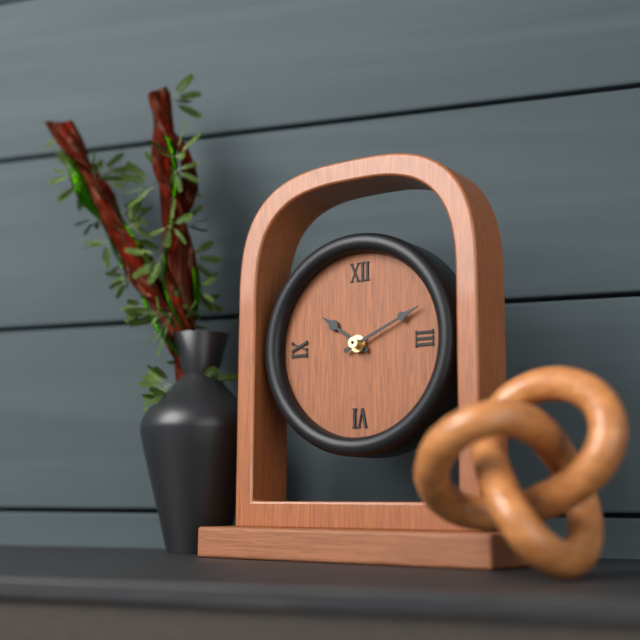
10:11
